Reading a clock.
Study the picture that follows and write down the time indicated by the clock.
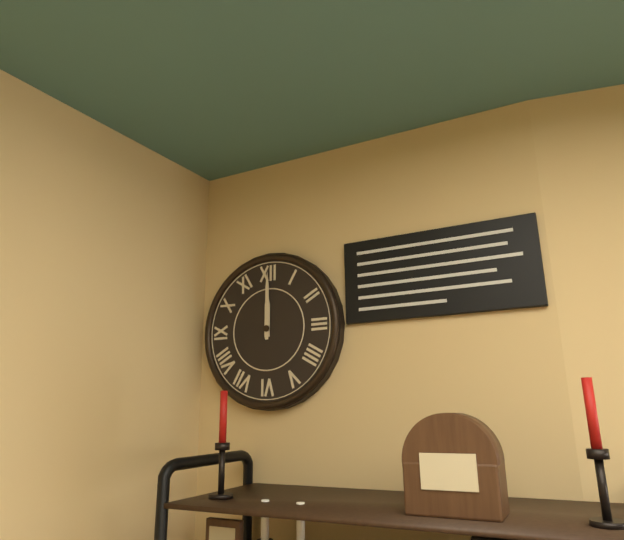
12:00
